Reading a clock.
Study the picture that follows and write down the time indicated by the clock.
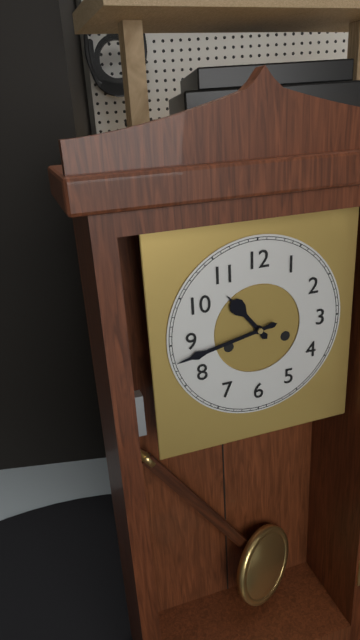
10:43
